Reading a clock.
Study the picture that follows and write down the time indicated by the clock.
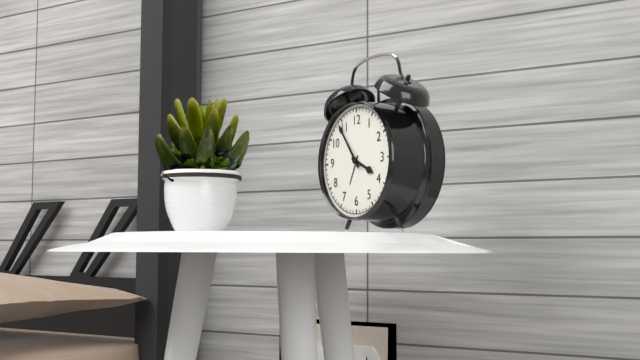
3:54
